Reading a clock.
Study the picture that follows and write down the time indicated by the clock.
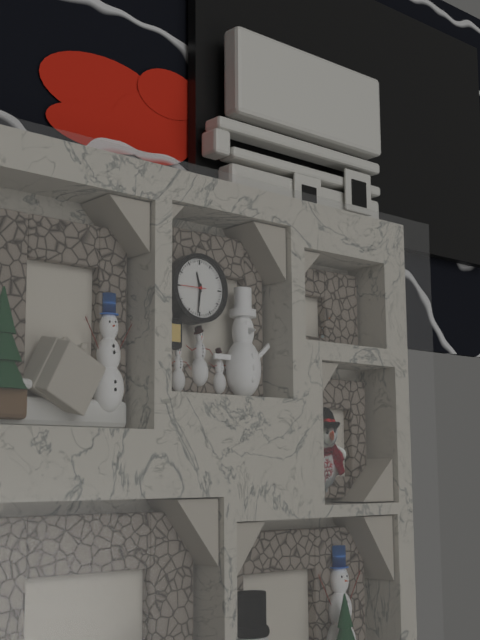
11:31
